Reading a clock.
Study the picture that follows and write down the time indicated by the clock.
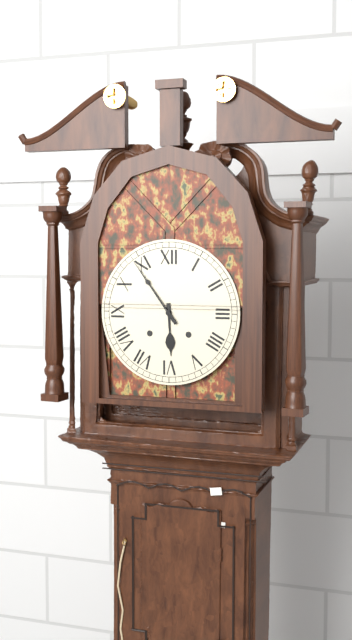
5:54
